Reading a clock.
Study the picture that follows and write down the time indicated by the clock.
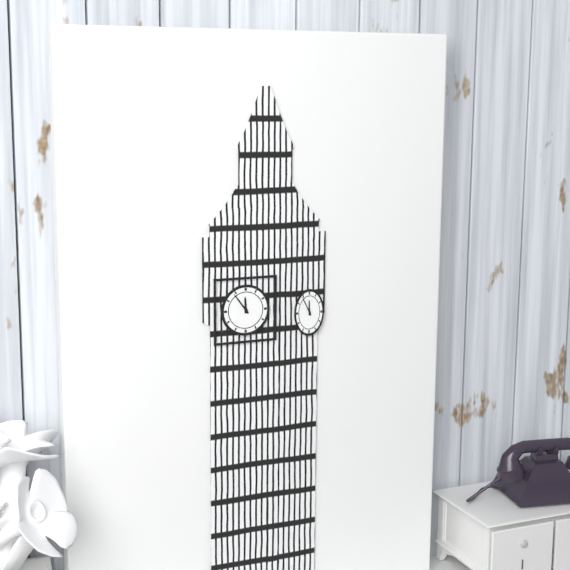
11:54
